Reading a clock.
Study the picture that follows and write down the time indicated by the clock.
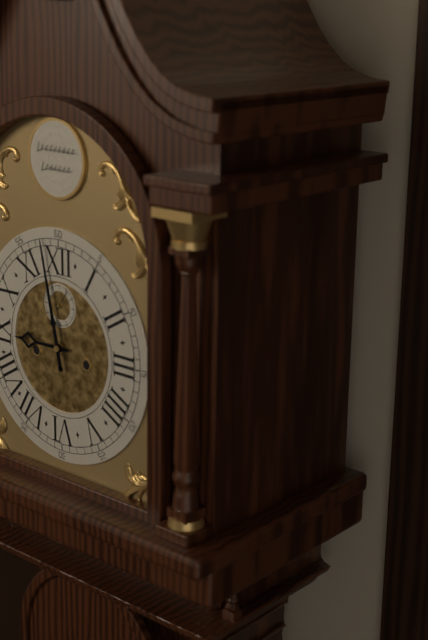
8:58:06
